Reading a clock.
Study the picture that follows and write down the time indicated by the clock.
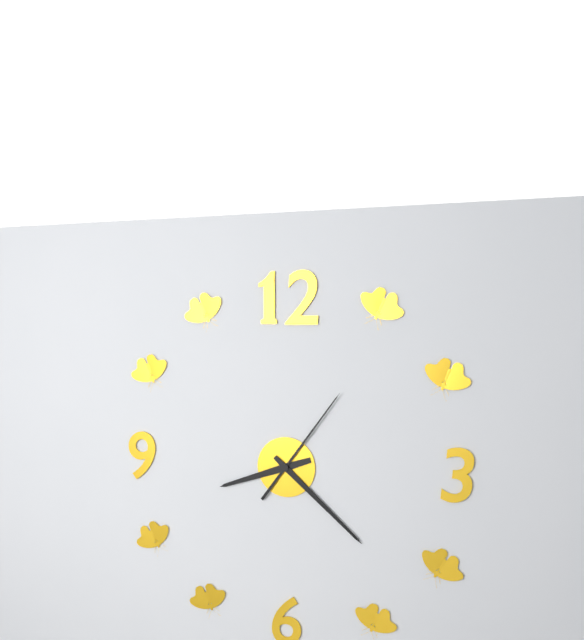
8:22:06
